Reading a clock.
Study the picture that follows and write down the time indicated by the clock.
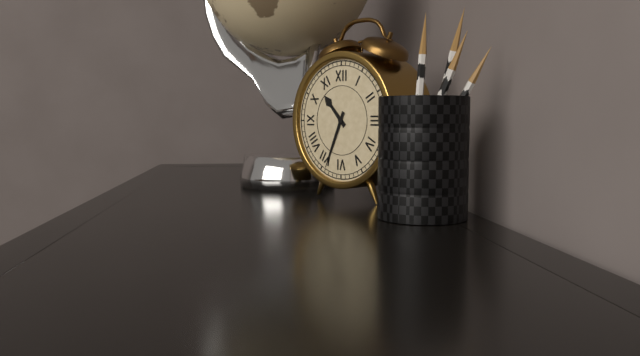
10:34
